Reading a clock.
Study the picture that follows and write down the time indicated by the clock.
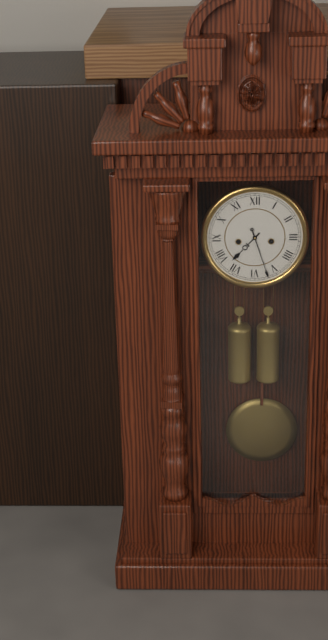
7:27
